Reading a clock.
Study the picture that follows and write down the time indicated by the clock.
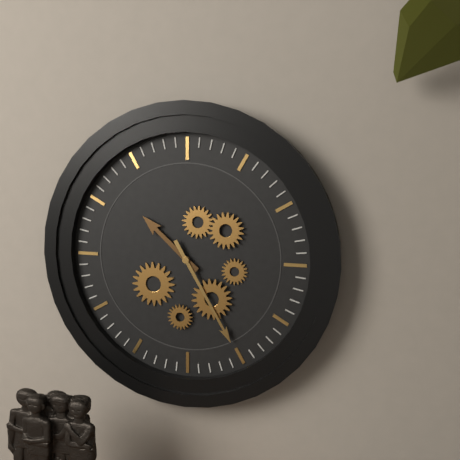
10:25
